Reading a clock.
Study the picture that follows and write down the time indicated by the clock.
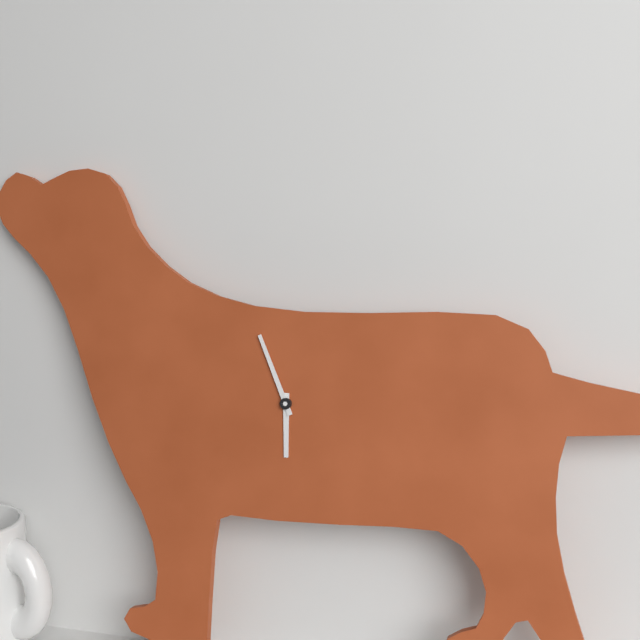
5:56
